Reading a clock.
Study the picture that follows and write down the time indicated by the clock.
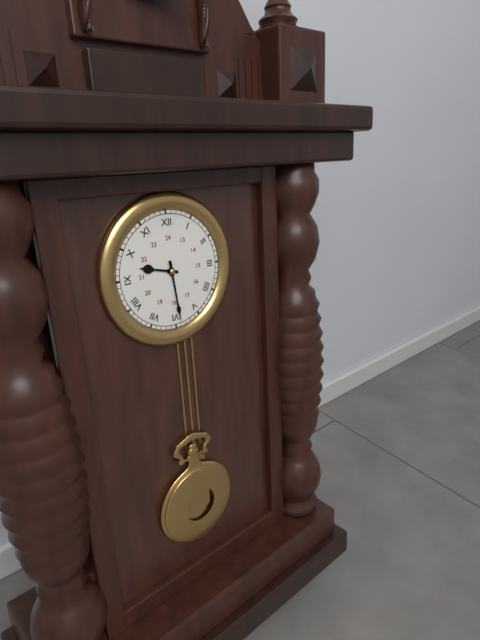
9:29
